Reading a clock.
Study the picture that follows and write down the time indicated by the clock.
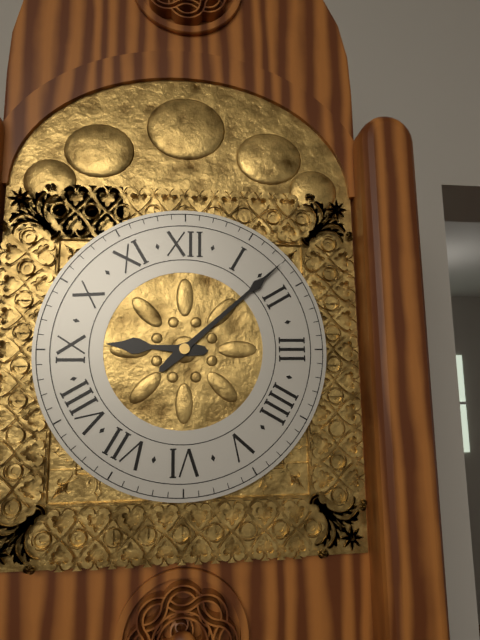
9:08
